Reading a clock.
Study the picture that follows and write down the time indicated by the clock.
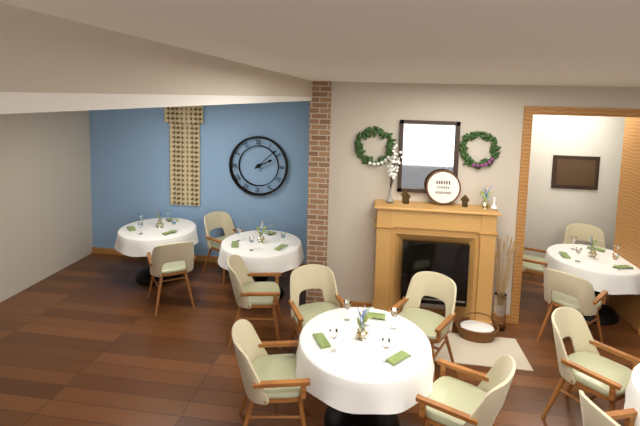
2:08
